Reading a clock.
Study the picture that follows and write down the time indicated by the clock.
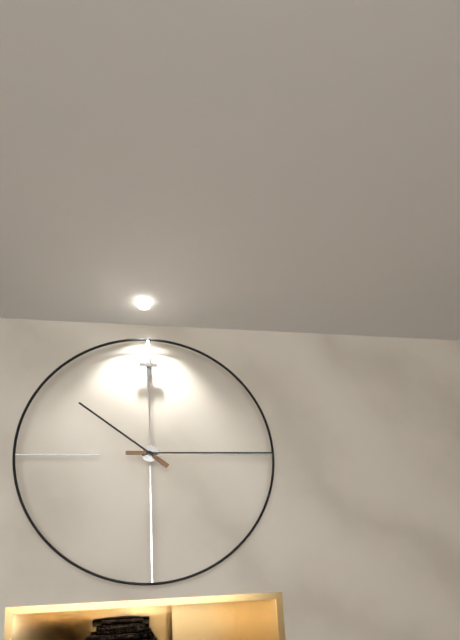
10:15
